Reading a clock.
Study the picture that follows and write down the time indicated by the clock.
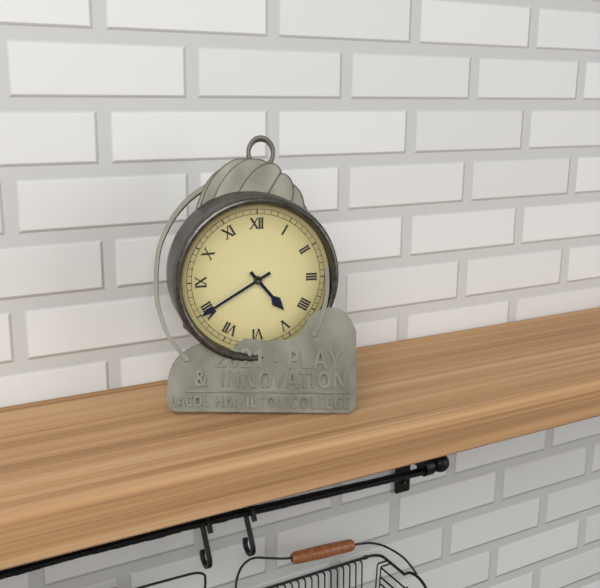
4:40
